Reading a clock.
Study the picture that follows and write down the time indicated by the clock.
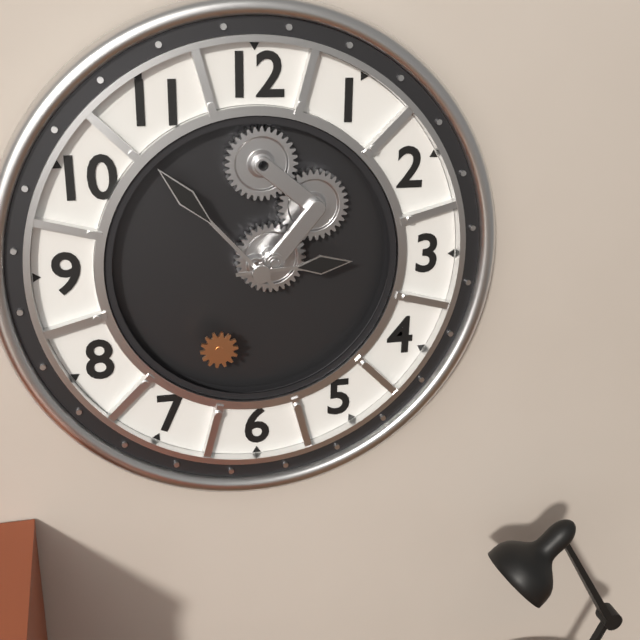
2:53
